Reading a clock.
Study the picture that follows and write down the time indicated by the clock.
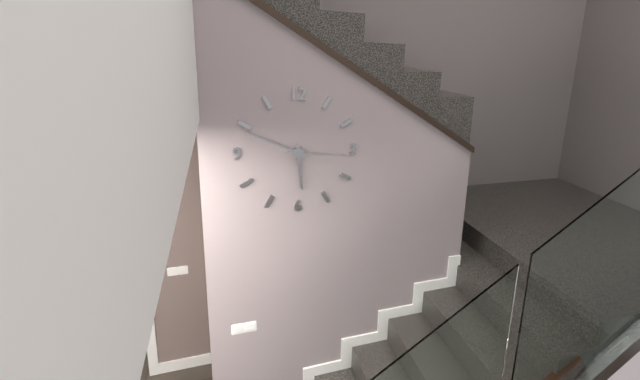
5:49:16
